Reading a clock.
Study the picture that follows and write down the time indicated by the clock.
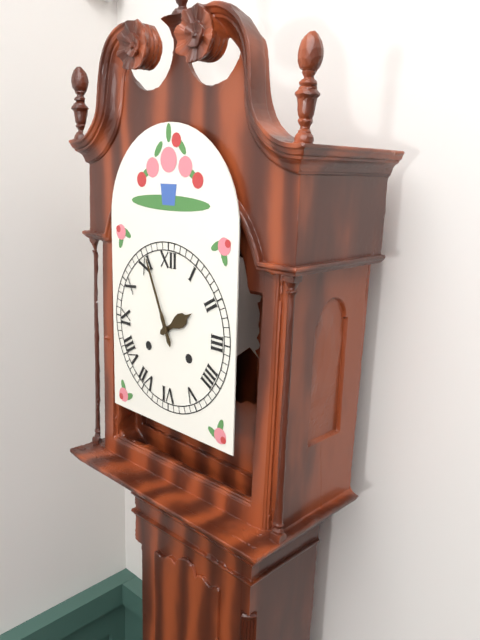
1:56
